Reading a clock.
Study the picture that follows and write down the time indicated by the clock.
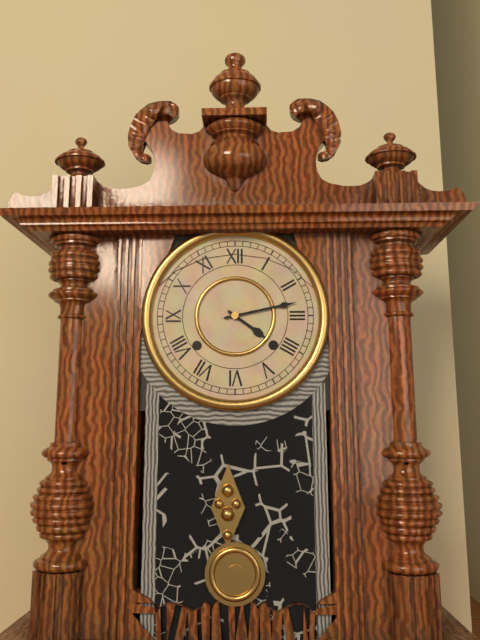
4:13
